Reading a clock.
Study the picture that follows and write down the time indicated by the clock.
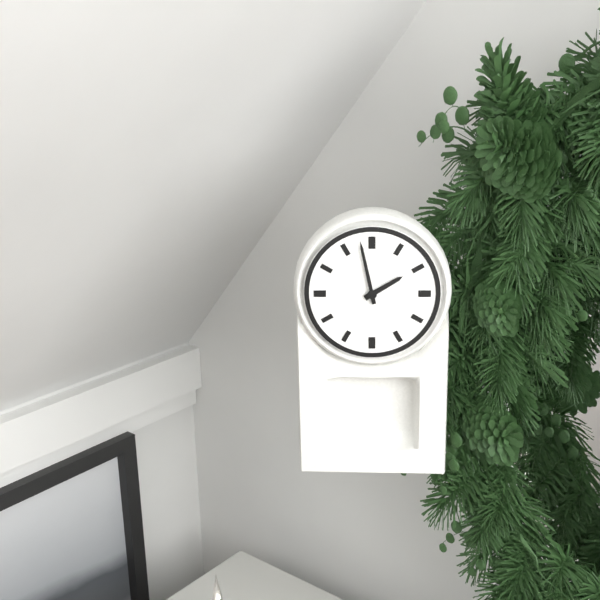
1:58
